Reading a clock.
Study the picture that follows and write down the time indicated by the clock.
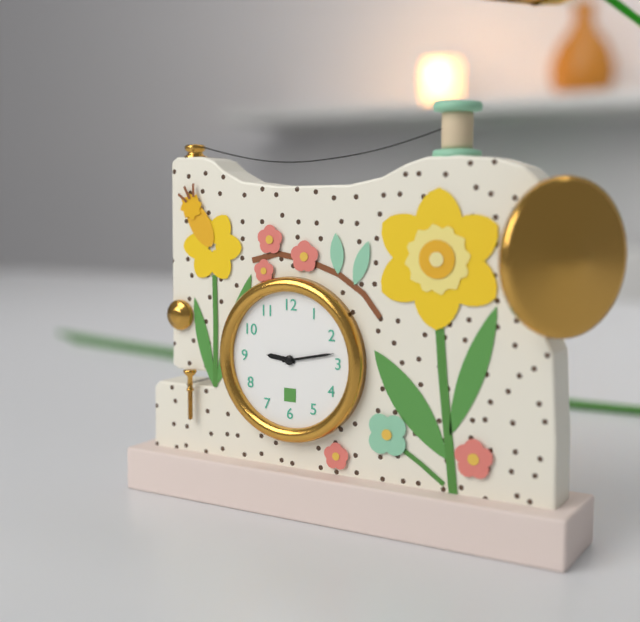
9:13
